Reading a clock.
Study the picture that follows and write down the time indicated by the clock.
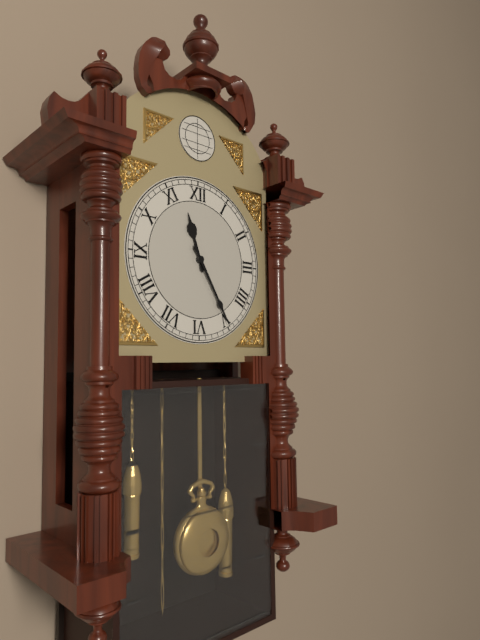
11:25
